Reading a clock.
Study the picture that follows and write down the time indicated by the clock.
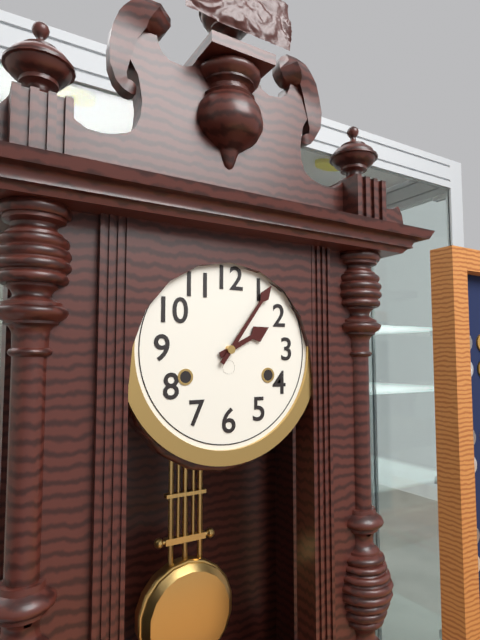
2:06
